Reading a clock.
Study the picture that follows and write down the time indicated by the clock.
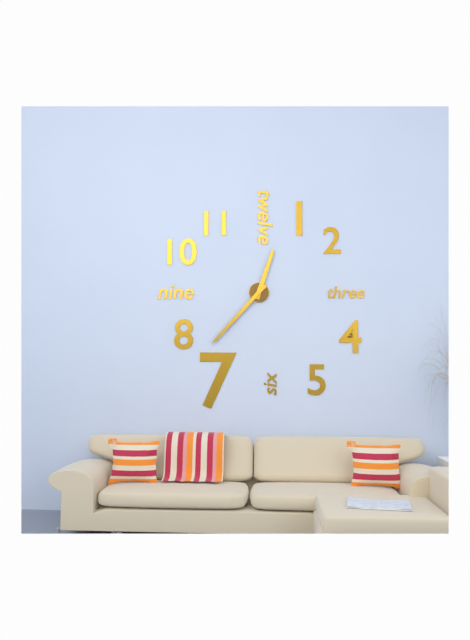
12:37
